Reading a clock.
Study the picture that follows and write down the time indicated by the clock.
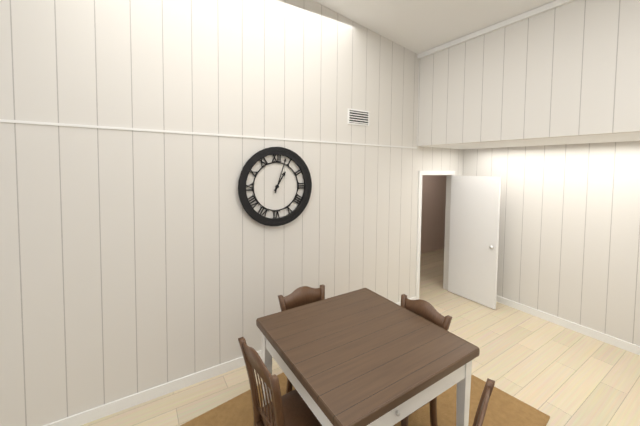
1:03
